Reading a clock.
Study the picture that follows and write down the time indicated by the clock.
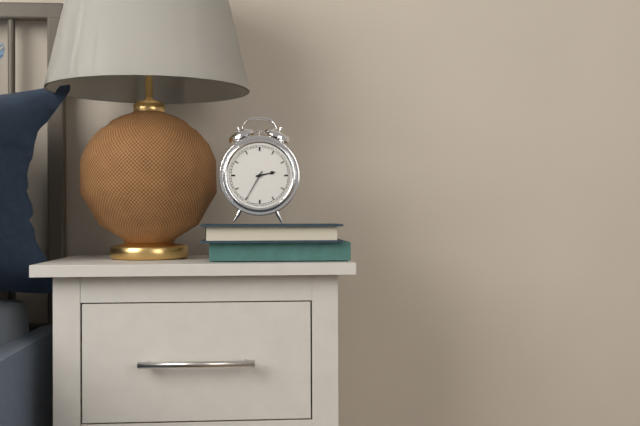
2:35
